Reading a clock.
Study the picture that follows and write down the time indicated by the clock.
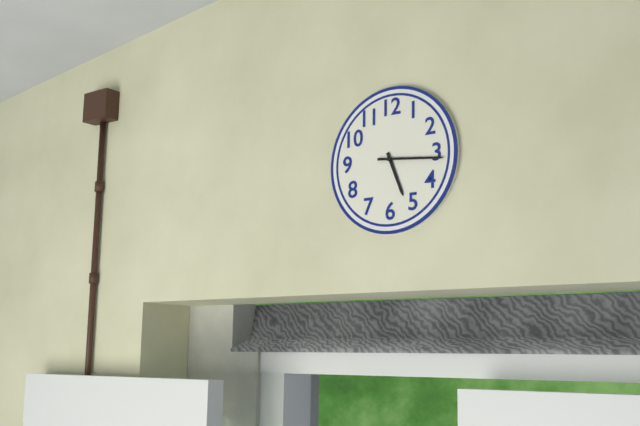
5:16
